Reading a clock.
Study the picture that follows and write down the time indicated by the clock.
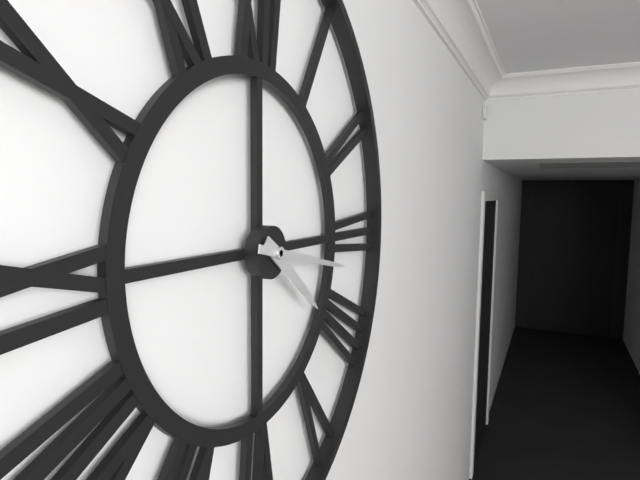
4:17
